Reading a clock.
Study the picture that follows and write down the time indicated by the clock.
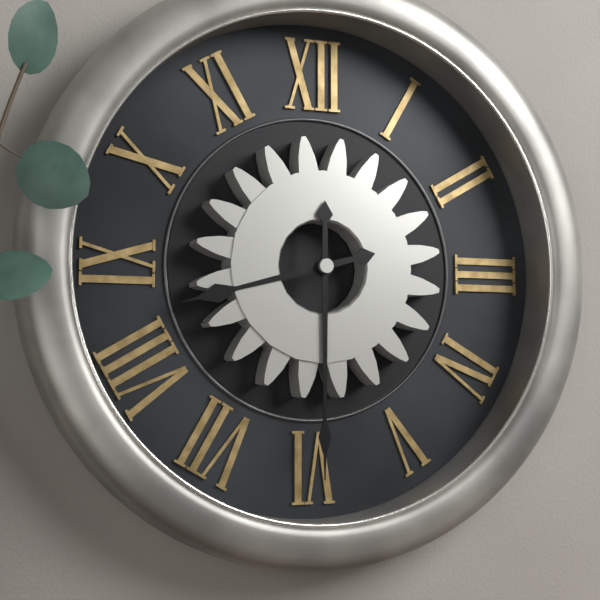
8:30
